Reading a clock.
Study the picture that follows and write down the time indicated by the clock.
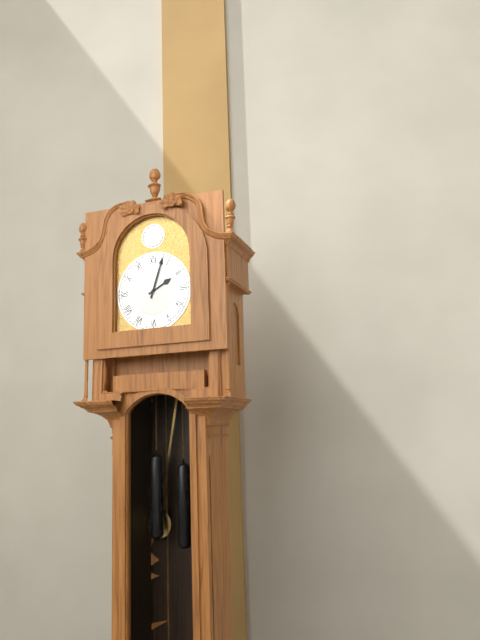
2:03
